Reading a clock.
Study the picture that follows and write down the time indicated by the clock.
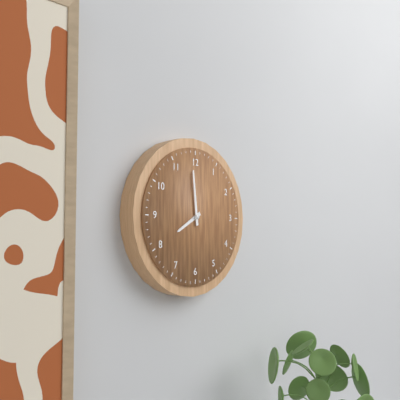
7:59
